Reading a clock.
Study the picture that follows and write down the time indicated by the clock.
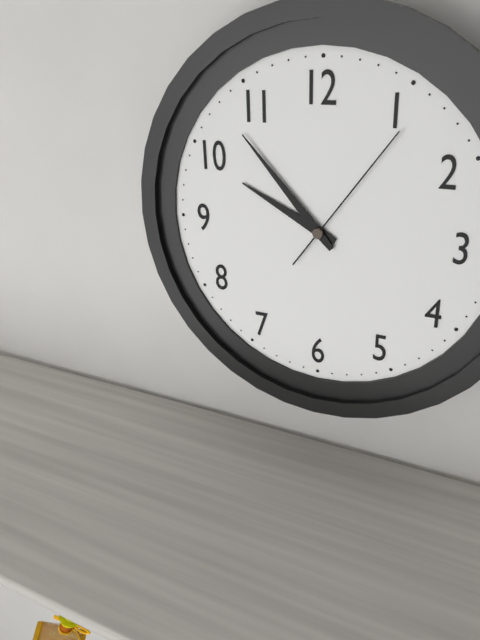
9:53:06
